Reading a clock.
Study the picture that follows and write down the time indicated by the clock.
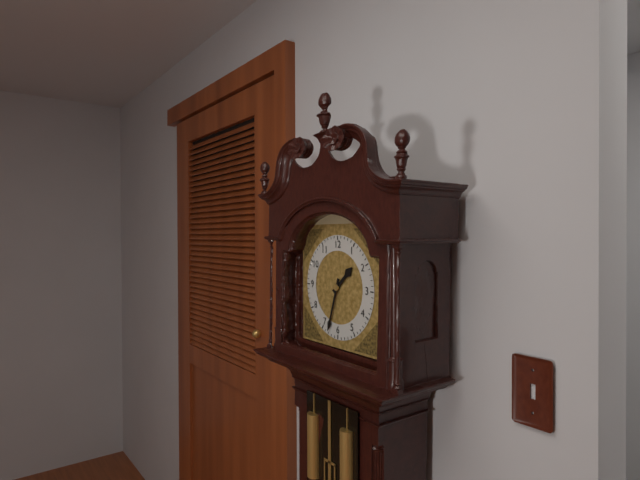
1:33
